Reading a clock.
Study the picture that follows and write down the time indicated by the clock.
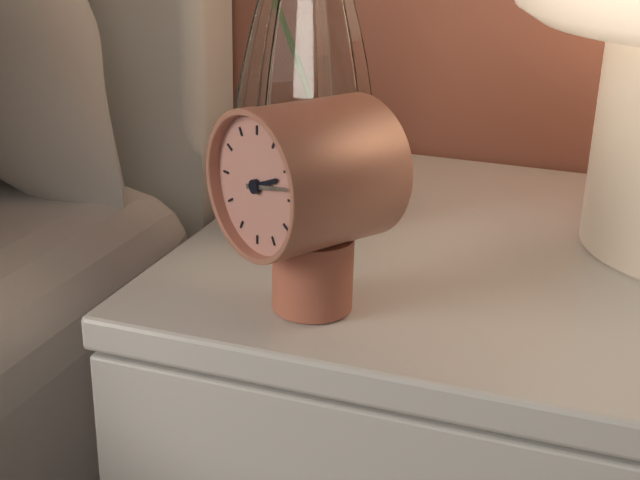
2:13
